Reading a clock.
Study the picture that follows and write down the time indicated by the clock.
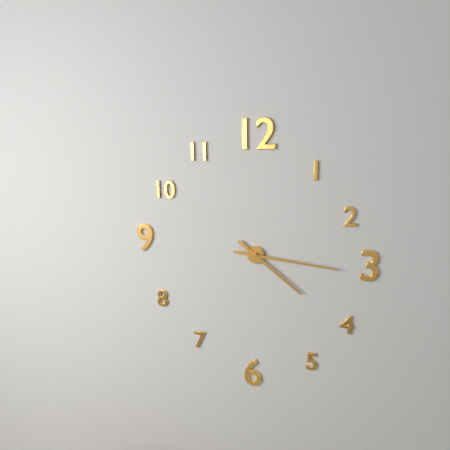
4:16
